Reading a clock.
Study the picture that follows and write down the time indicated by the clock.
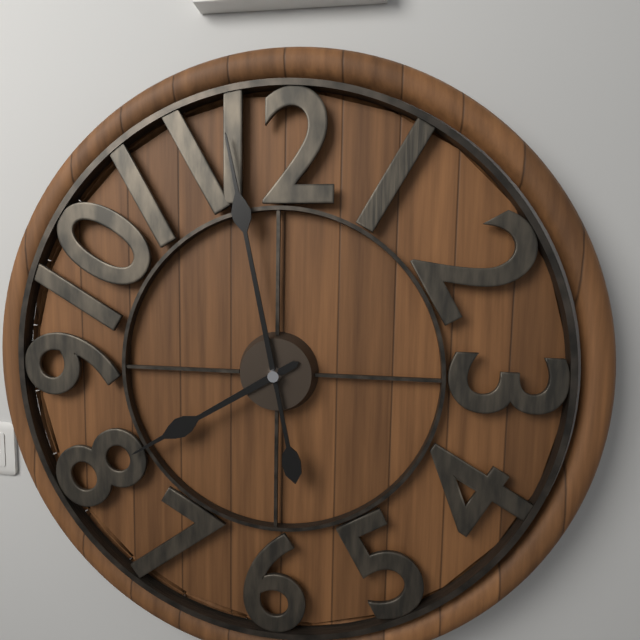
7:58
